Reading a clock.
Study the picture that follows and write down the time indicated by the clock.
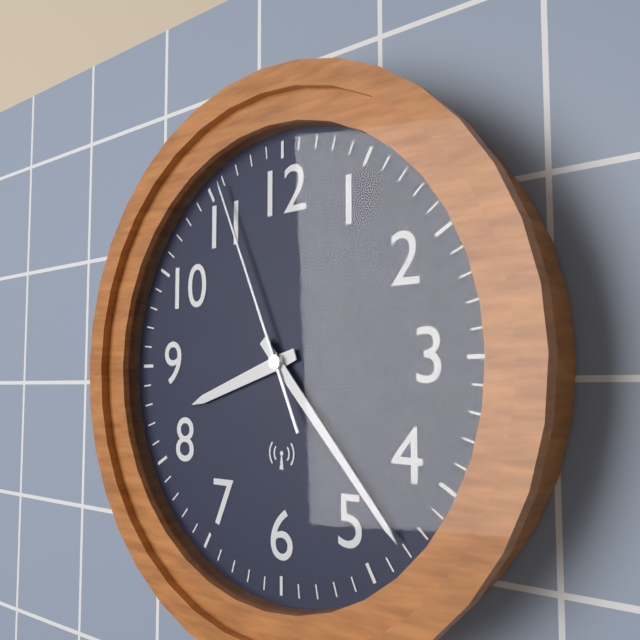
8:23:56
